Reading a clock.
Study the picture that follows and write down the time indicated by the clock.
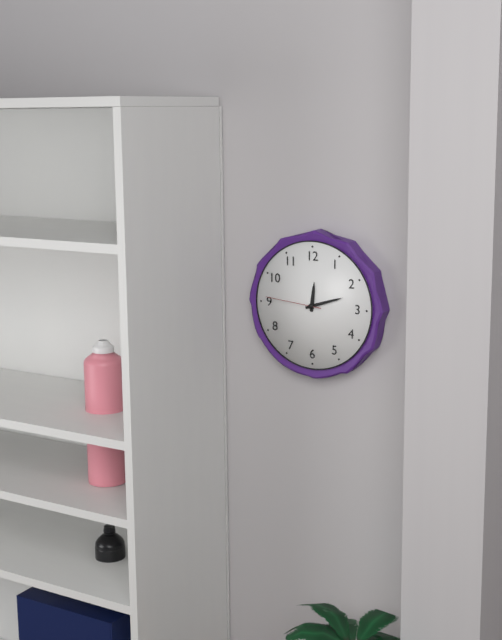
12:12:46
